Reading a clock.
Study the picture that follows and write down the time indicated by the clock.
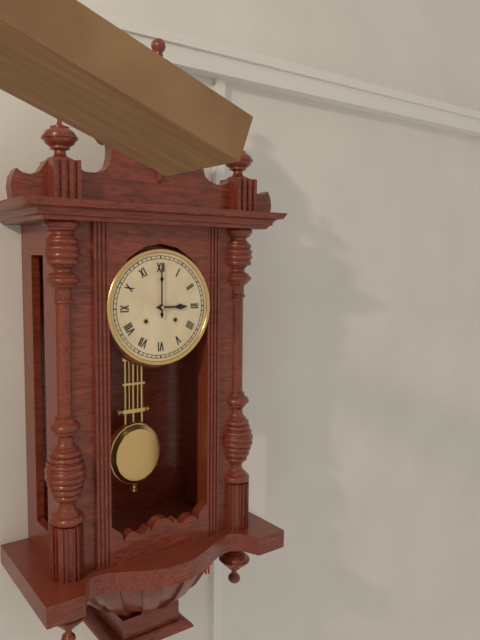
3:00
